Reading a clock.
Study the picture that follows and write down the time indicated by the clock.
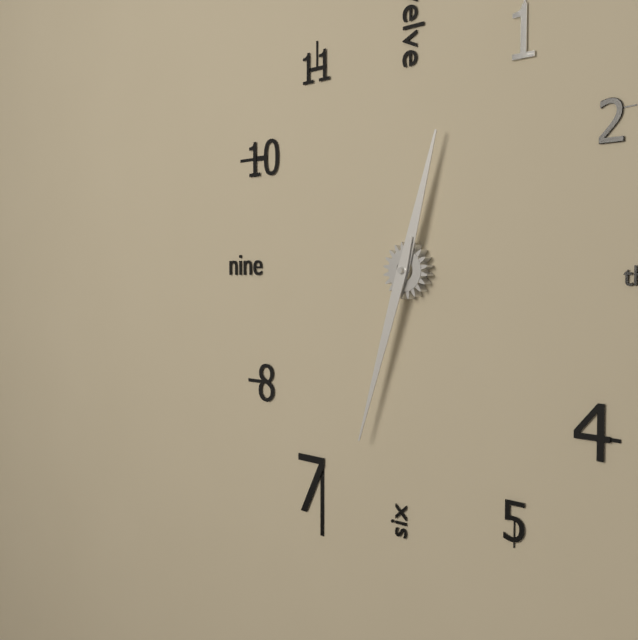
12:33
